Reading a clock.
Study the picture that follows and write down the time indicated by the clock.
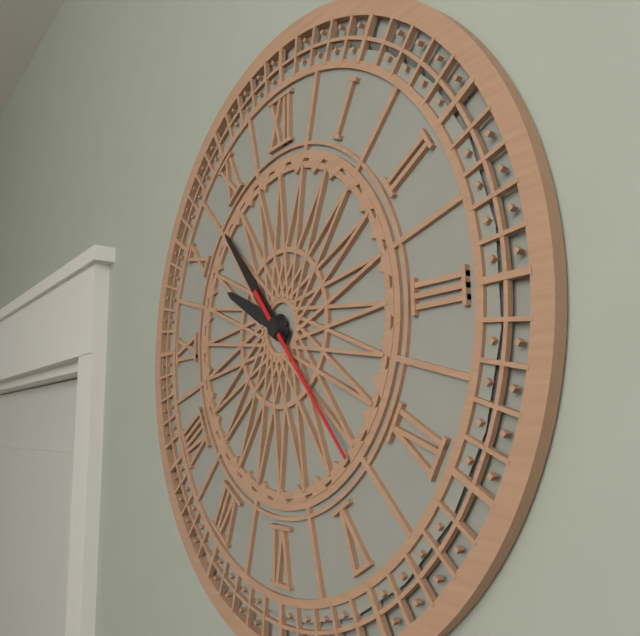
9:53:23
